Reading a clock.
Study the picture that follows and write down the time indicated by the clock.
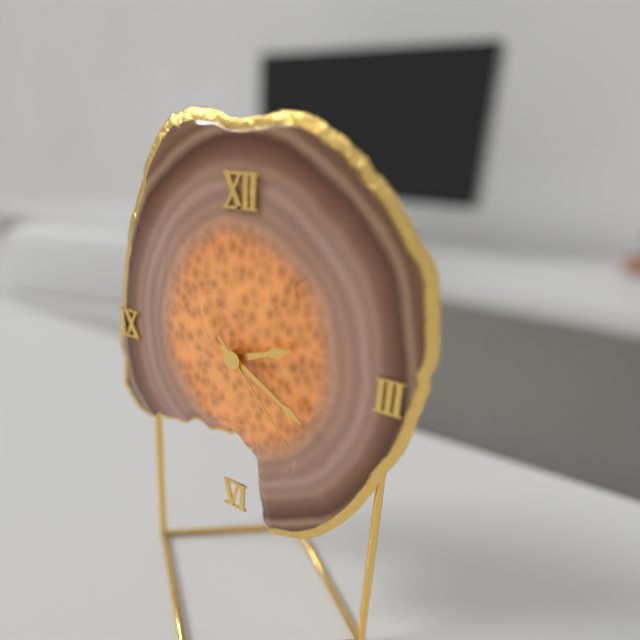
2:20:23
